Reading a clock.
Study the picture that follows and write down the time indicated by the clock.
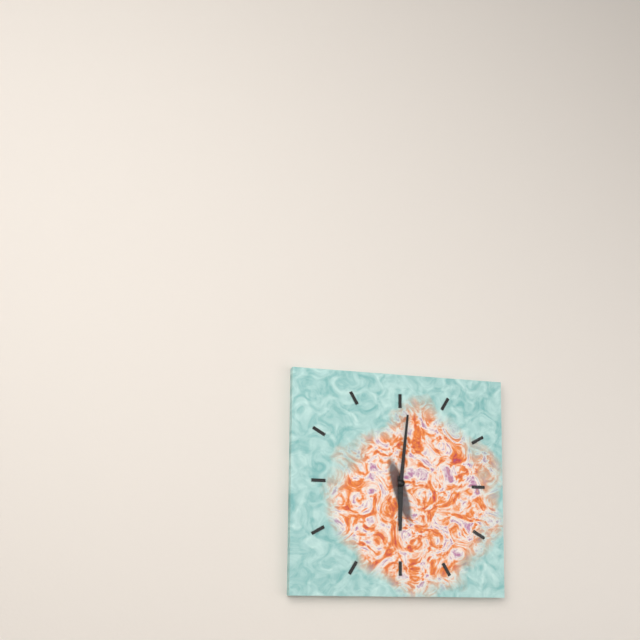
6:01
